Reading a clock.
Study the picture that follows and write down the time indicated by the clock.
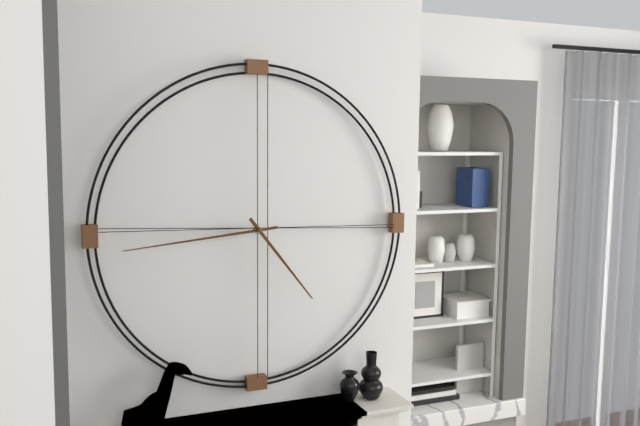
4:44
